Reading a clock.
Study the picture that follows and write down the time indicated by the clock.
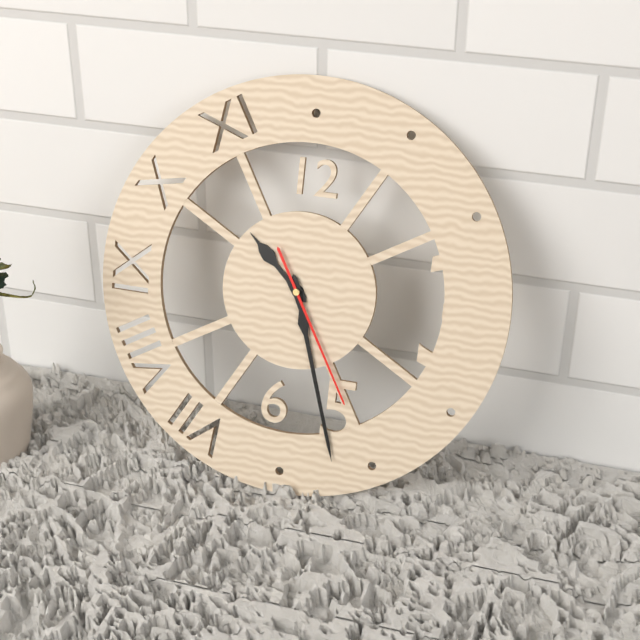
10:27:25
